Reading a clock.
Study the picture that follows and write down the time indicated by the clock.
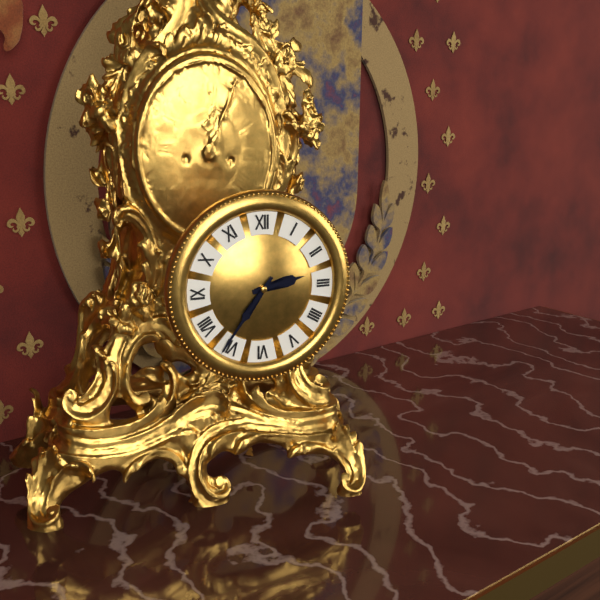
2:36
